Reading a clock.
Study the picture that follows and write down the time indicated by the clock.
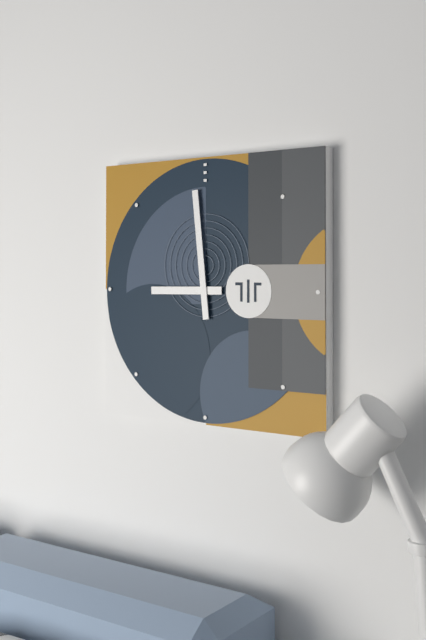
8:59
